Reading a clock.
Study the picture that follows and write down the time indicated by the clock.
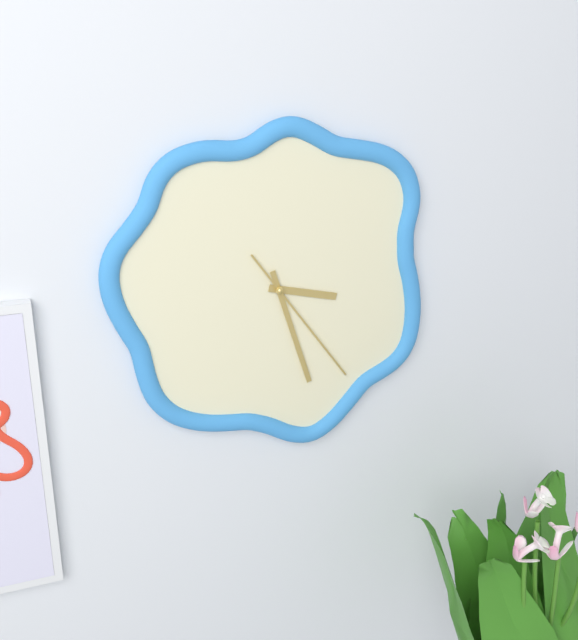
3:27:24
